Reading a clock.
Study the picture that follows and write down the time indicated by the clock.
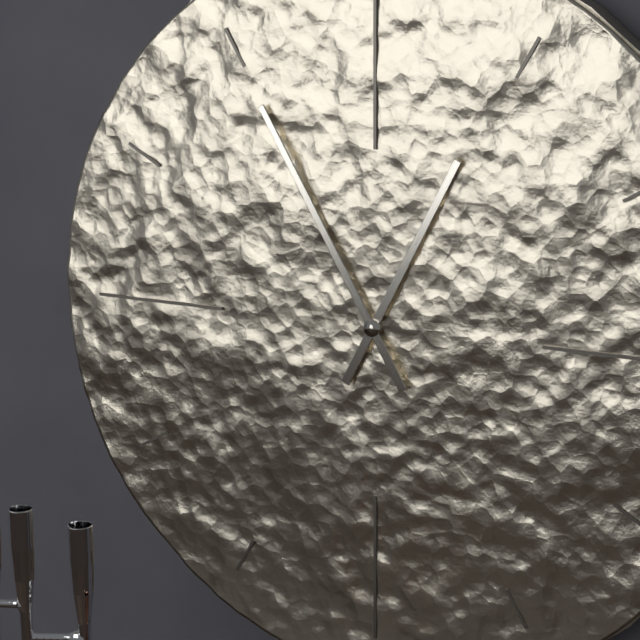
12:55
